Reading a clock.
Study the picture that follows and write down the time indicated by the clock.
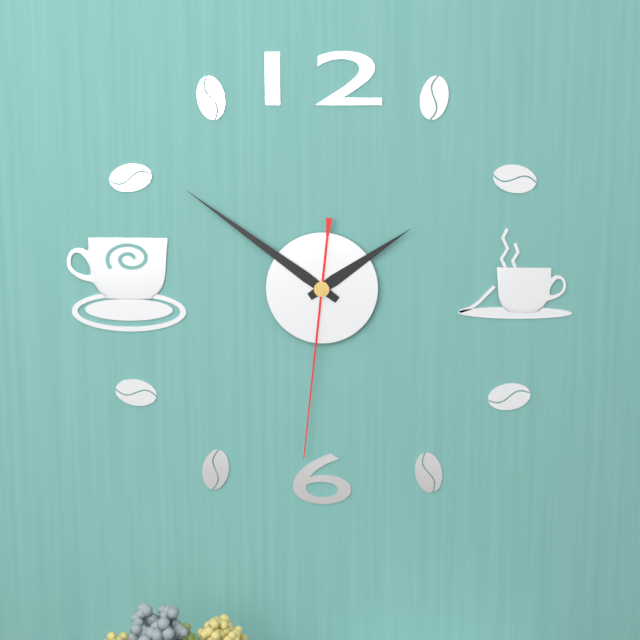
1:51:31
